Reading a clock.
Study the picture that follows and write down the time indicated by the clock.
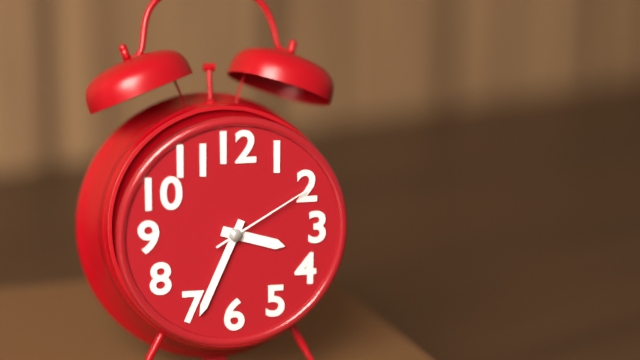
3:34:10
